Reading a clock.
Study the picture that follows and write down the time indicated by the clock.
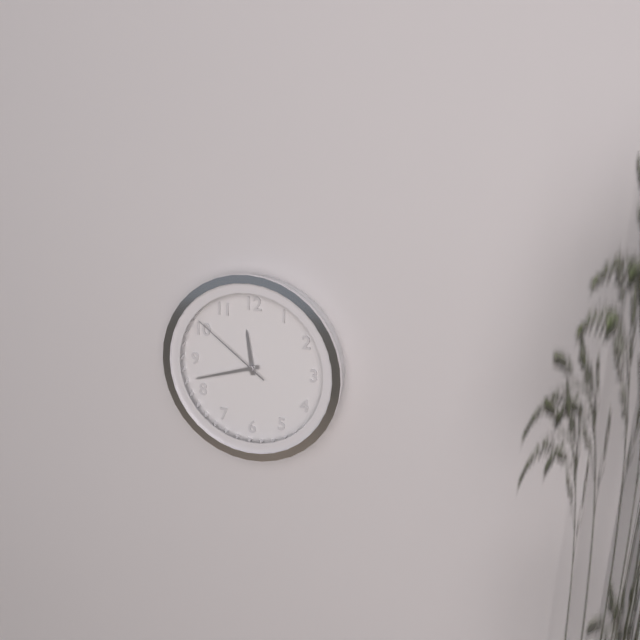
11:42:51
